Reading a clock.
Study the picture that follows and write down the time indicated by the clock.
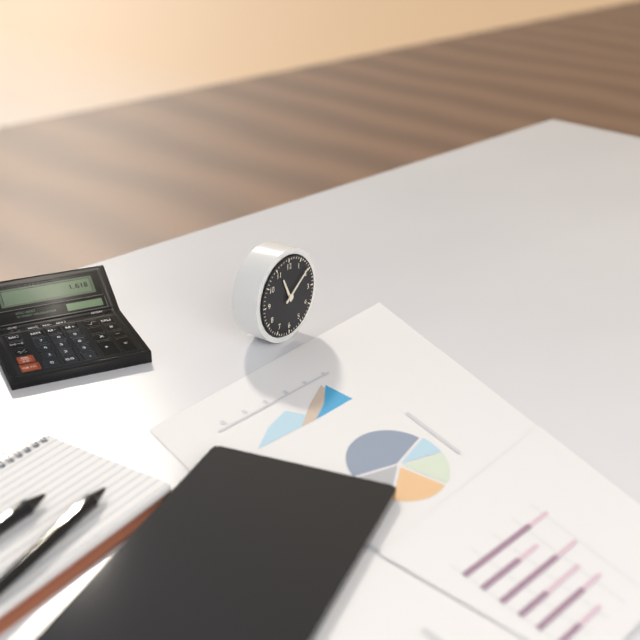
11:09
